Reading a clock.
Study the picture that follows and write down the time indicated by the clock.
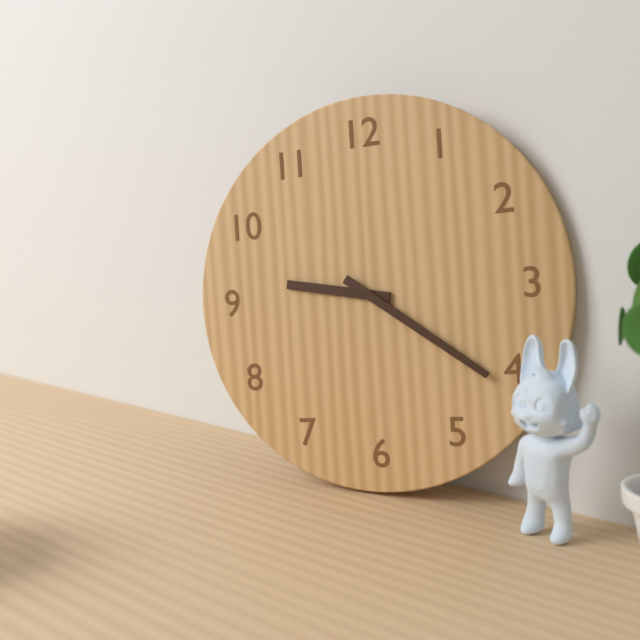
9:21
